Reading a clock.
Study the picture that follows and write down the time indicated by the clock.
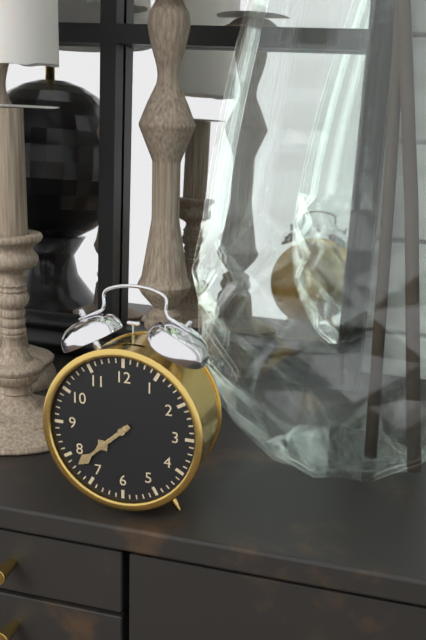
7:38
